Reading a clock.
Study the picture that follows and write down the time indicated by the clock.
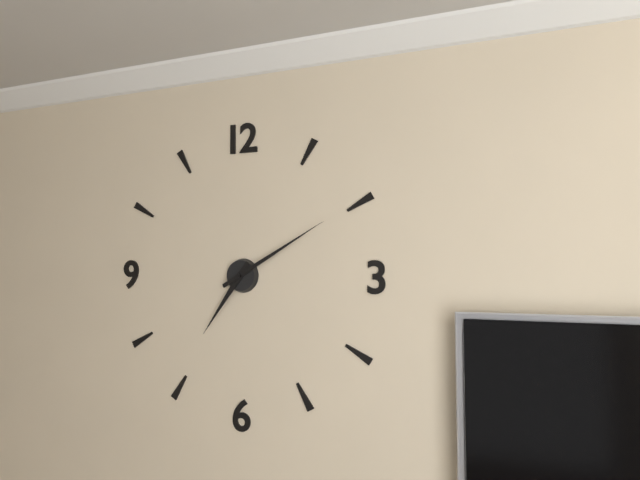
7:10
